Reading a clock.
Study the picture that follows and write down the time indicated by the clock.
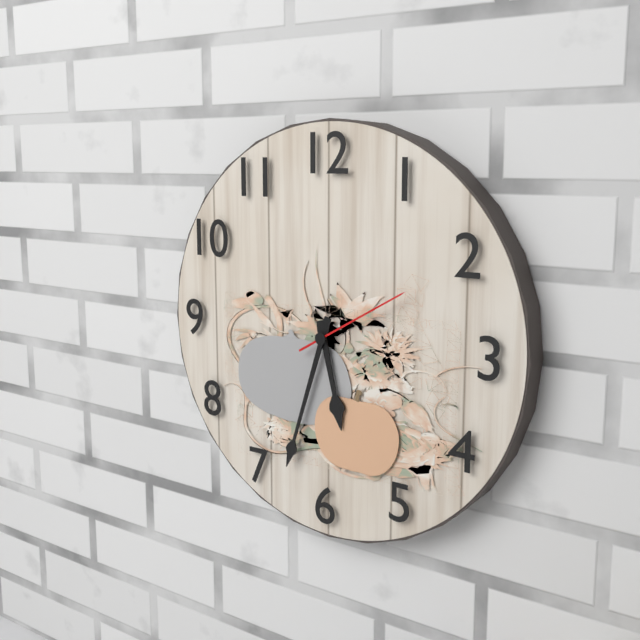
5:33:10
